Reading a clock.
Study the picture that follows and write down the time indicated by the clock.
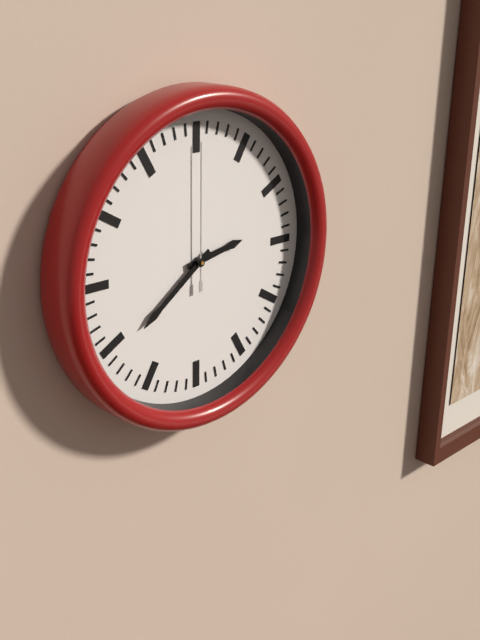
2:39:00
